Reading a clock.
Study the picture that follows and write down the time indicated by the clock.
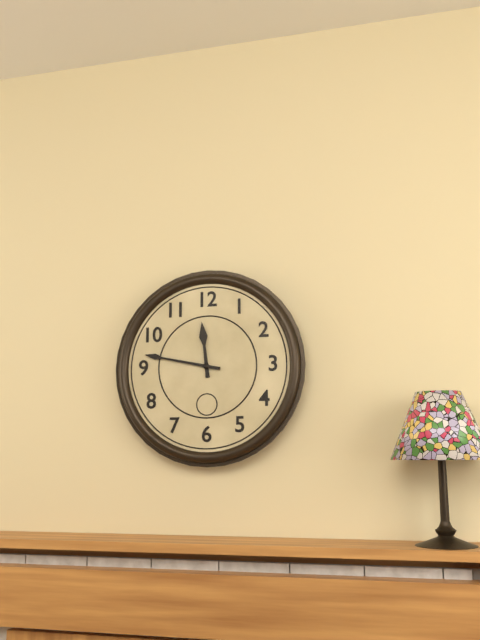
11:47
